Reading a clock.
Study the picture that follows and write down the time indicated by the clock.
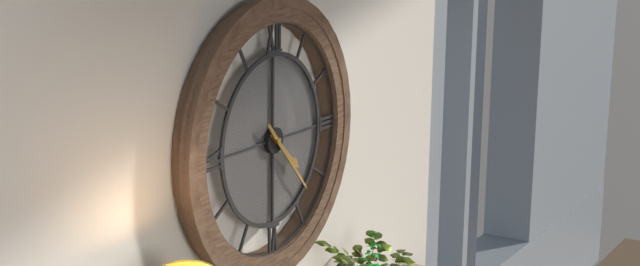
4:23
